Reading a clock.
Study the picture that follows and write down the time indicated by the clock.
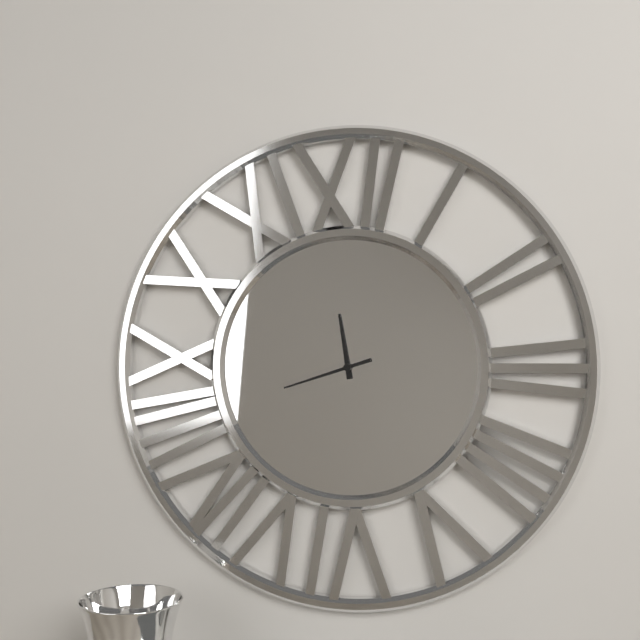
11:42
